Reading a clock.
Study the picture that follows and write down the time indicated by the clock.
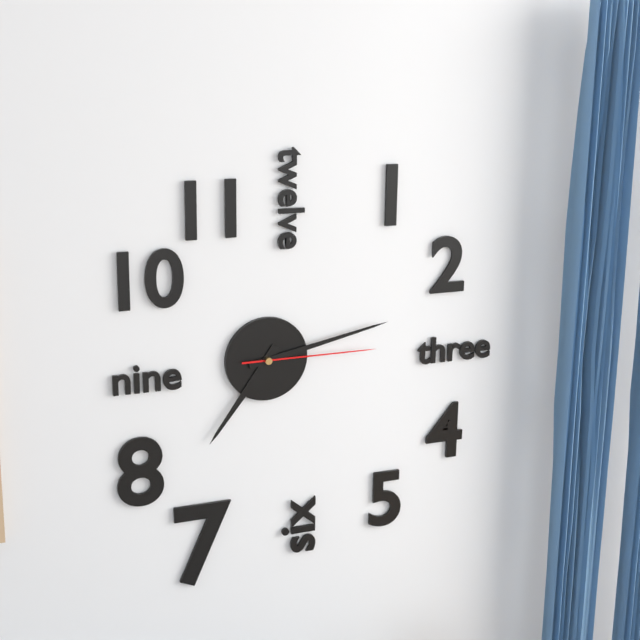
7:13:15
